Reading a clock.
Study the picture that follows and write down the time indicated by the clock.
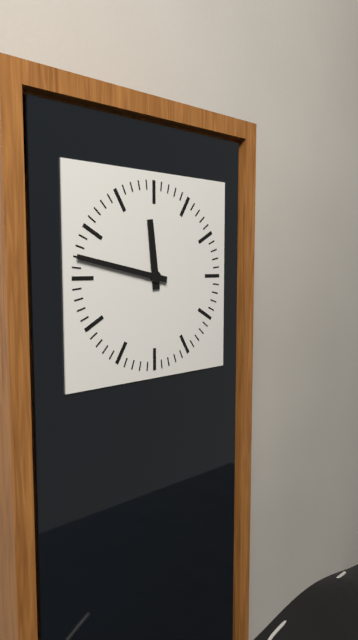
11:47
